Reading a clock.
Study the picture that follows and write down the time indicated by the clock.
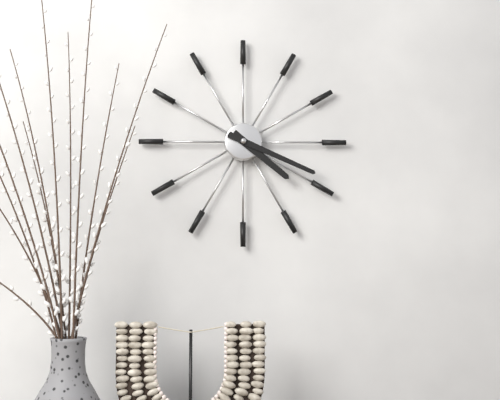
4:19
